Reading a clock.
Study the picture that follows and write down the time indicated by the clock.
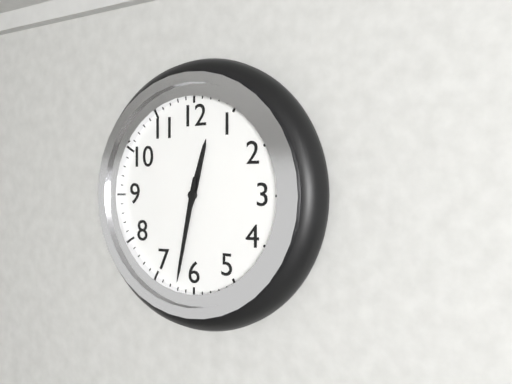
12:32
